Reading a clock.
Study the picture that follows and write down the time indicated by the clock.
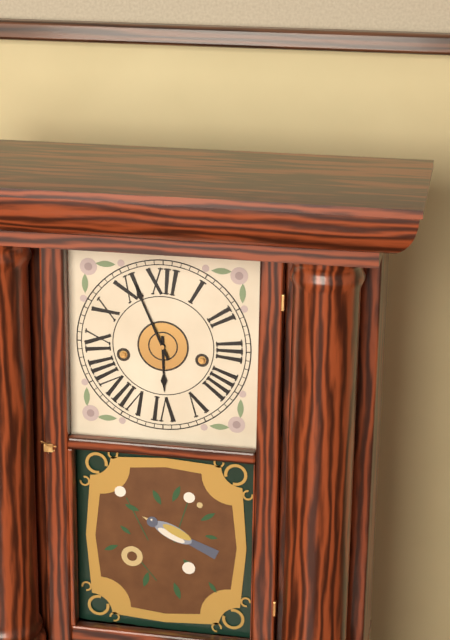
5:56
